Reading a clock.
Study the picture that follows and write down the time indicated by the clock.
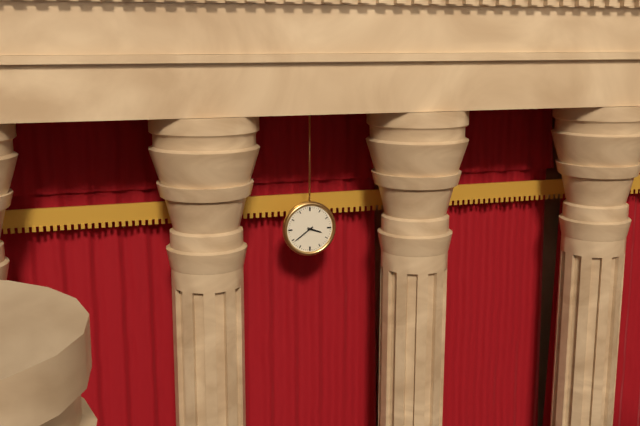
3:39
